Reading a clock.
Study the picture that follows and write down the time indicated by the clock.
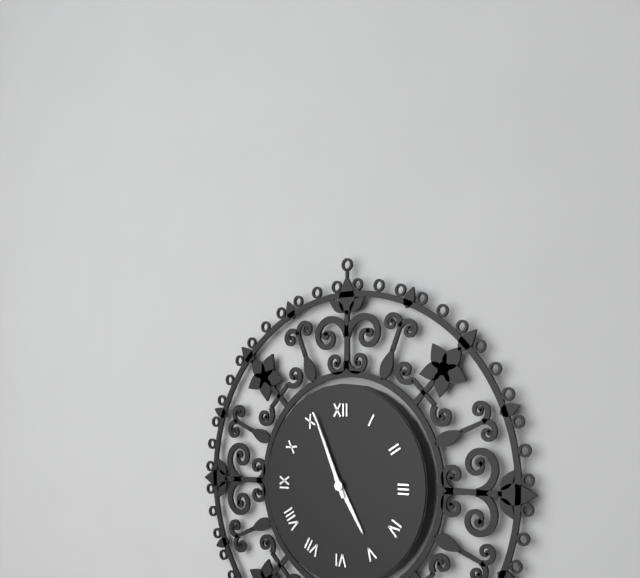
4:56
